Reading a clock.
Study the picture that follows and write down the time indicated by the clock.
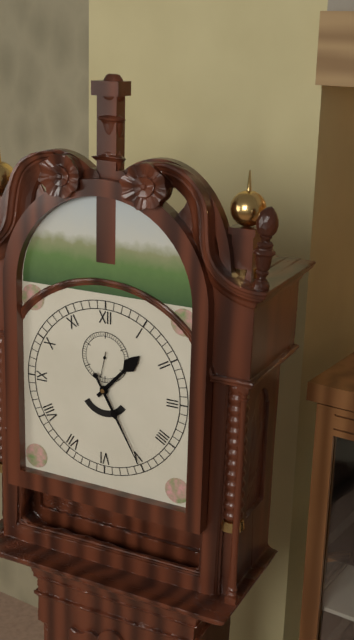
1:25
